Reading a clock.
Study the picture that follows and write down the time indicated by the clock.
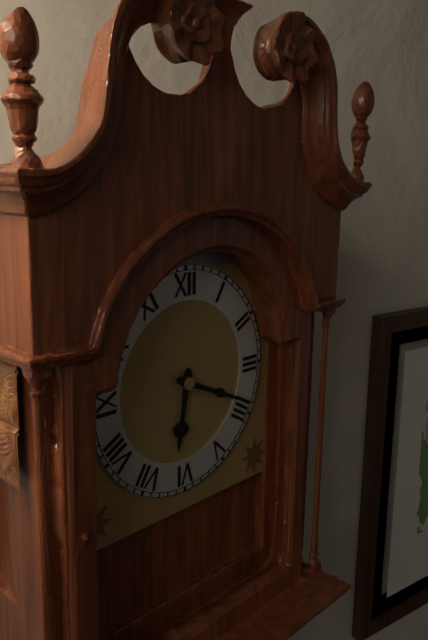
6:19
